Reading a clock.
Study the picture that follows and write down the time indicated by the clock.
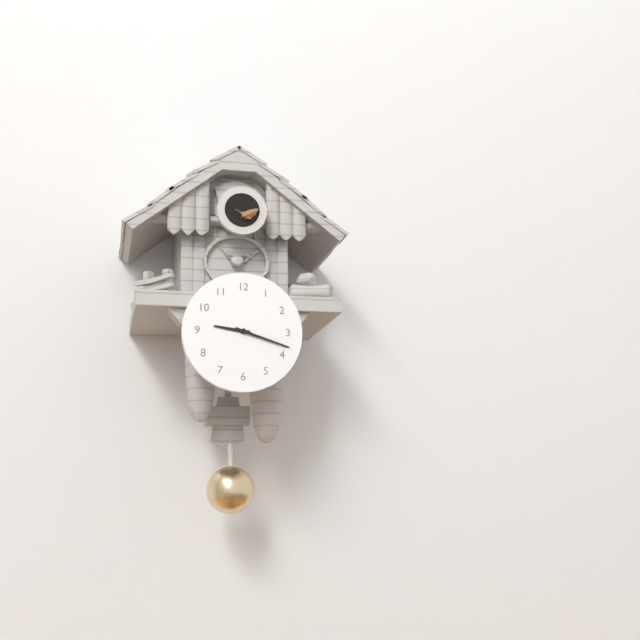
9:18
